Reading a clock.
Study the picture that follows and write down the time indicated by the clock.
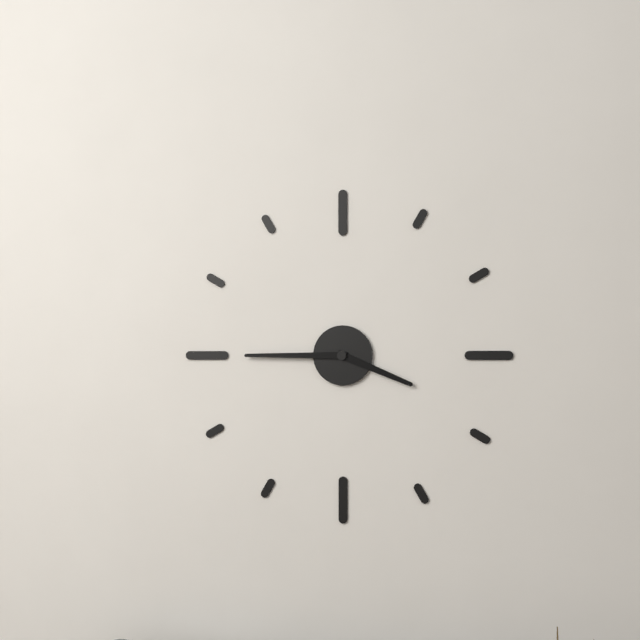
3:45
